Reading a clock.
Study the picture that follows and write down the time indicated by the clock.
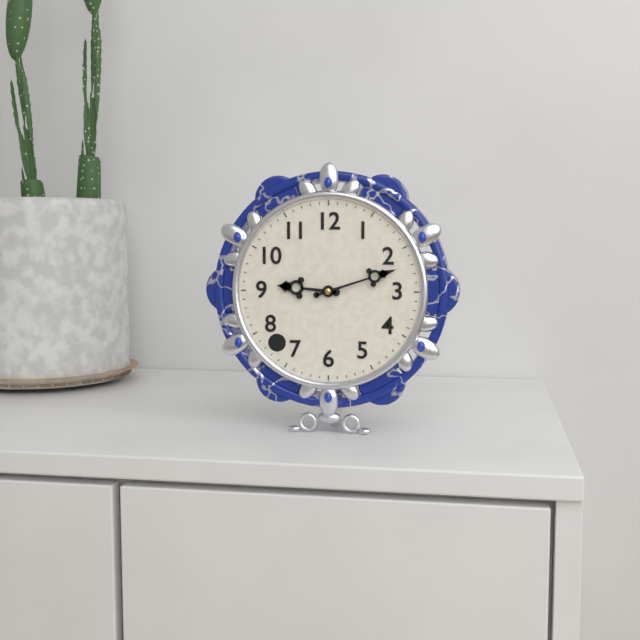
9:12
